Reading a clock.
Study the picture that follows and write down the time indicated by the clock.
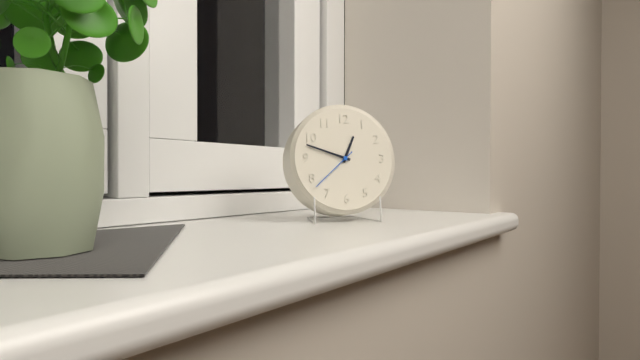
12:48:38
